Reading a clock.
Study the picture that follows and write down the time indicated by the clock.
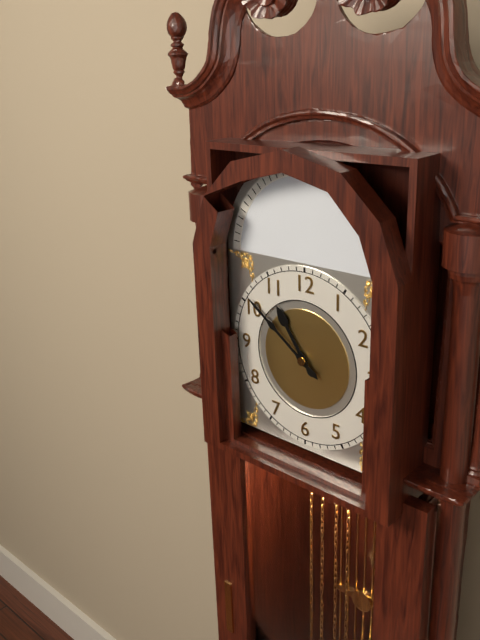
10:51
